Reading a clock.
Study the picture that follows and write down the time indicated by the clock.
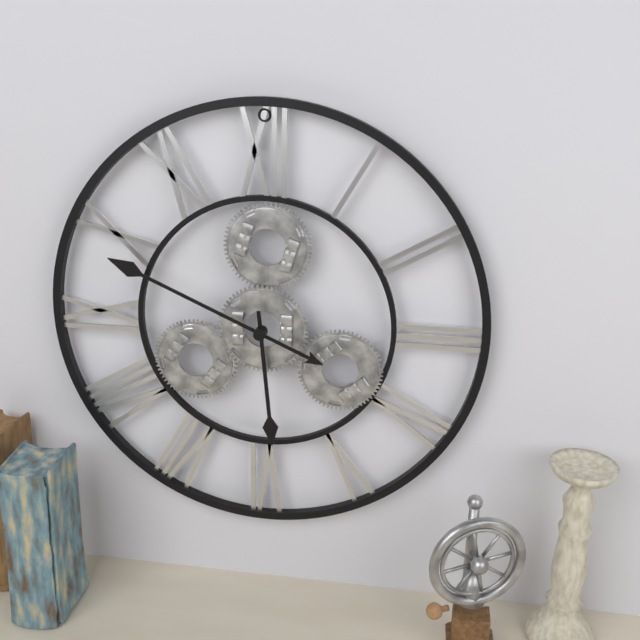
5:49
